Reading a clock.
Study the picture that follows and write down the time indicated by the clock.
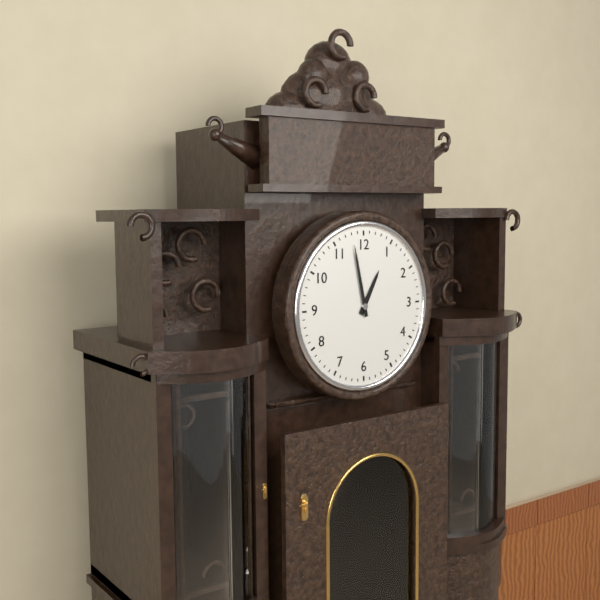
12:58
